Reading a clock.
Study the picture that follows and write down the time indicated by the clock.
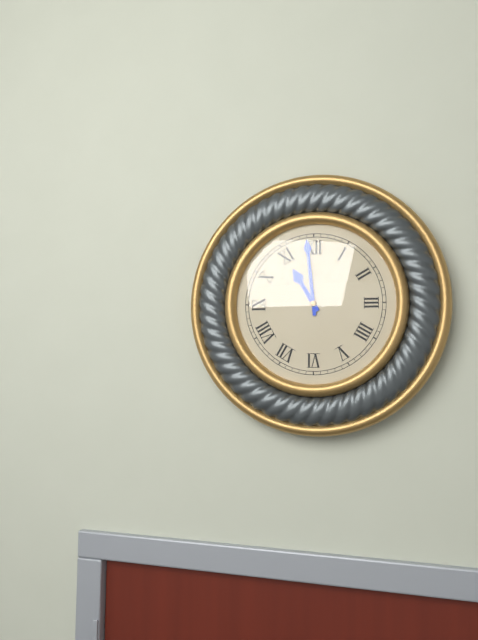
10:59
